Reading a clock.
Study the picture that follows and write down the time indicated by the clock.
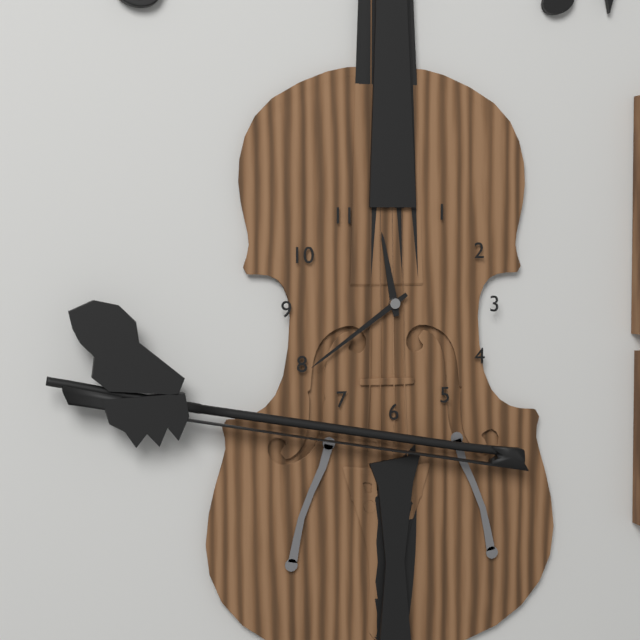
11:39
